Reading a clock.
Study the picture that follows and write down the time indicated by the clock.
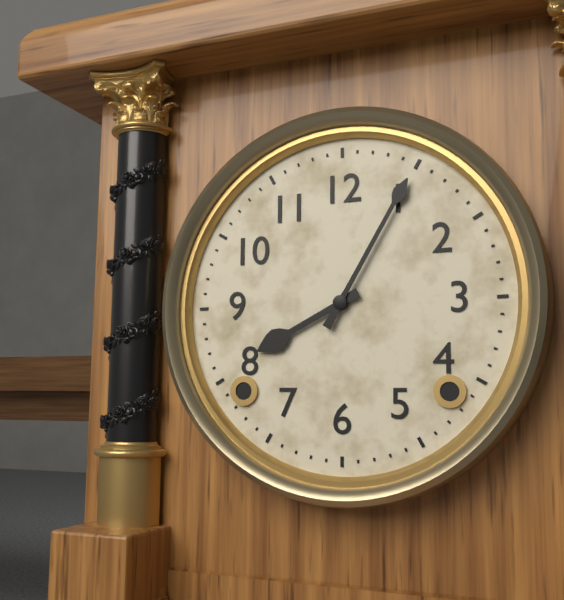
8:05
